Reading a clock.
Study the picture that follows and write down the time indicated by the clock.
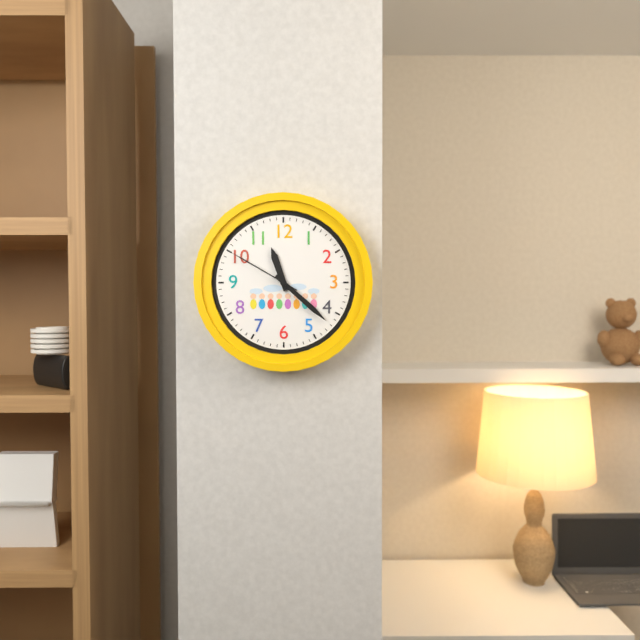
11:22:50
